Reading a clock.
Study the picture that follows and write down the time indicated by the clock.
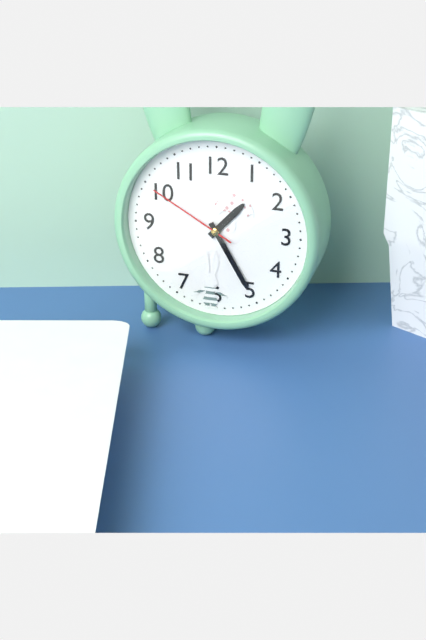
1:25:50
